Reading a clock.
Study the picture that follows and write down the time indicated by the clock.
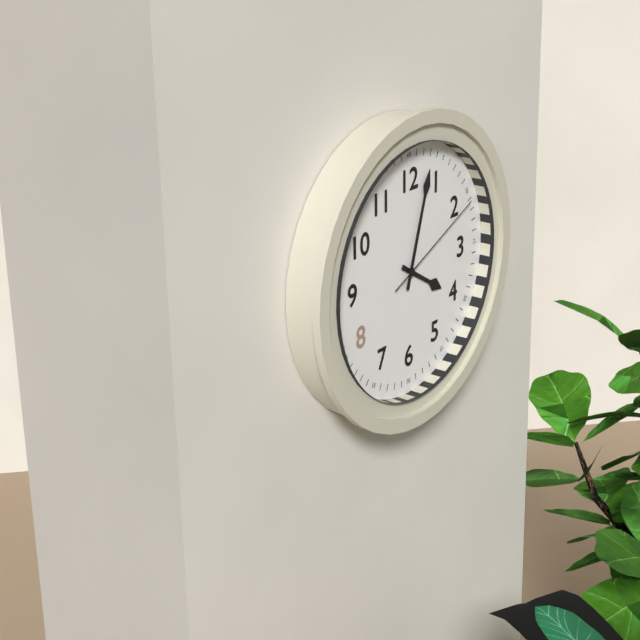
4:03:11
